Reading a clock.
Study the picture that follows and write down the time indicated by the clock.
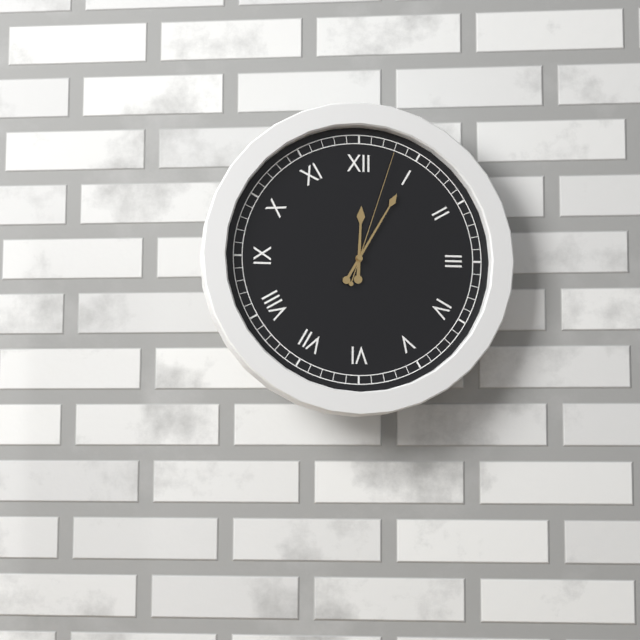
12:05:03
